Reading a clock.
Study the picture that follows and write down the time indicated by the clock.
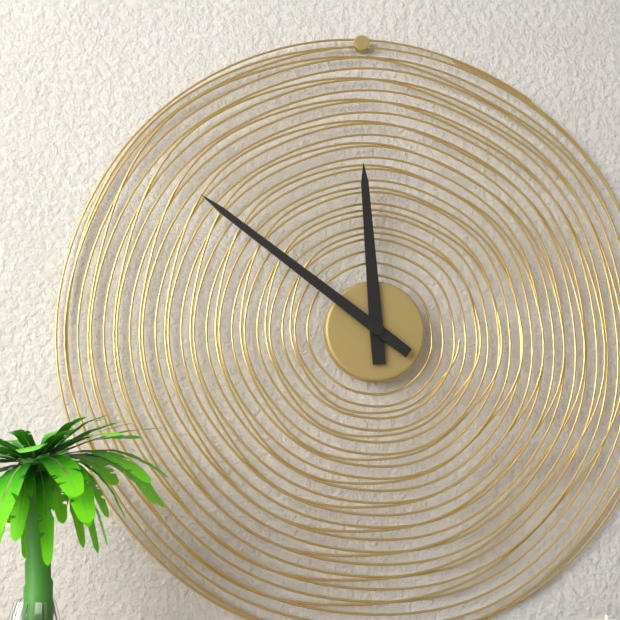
11:51
